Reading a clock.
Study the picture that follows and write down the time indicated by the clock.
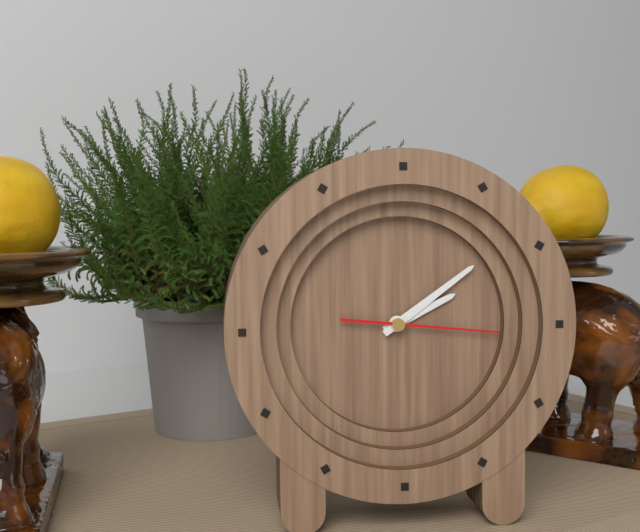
2:09:16
